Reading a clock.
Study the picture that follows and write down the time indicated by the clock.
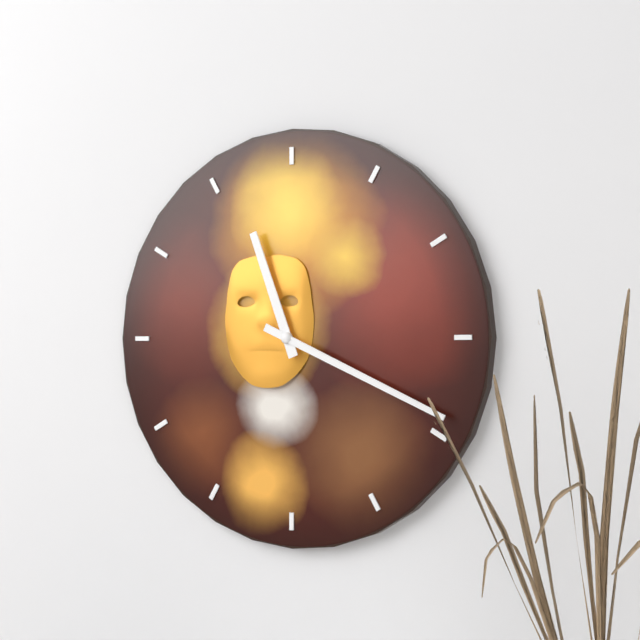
11:19
